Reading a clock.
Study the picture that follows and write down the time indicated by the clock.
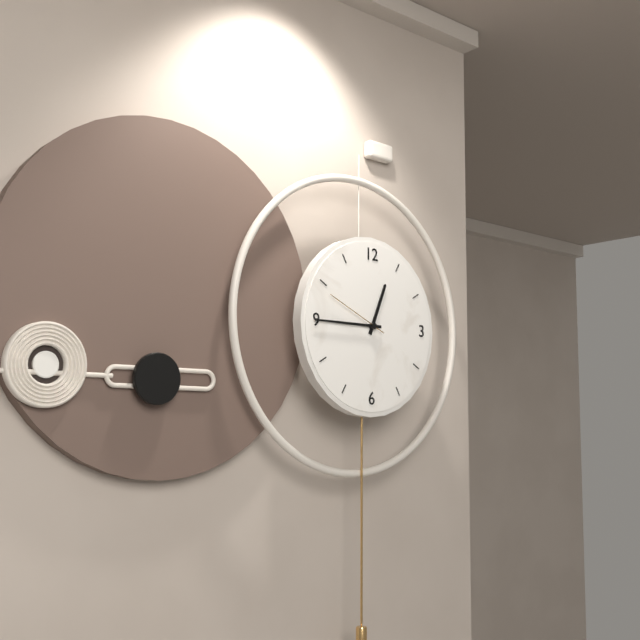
12:45:49
